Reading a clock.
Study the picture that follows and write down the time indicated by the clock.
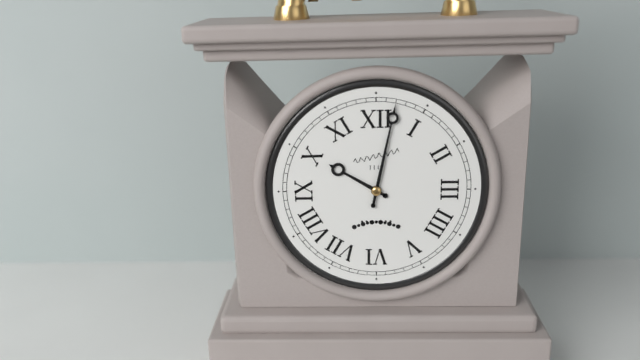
10:02
